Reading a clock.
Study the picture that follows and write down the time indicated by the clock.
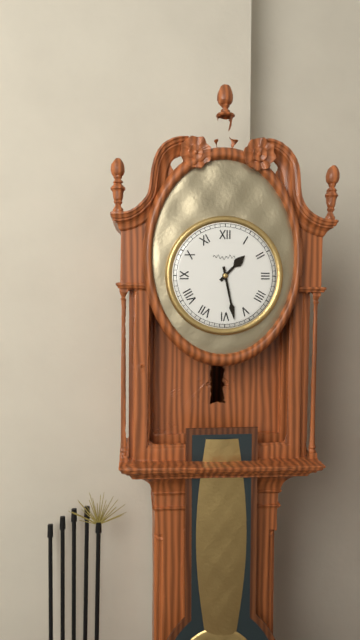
1:28
